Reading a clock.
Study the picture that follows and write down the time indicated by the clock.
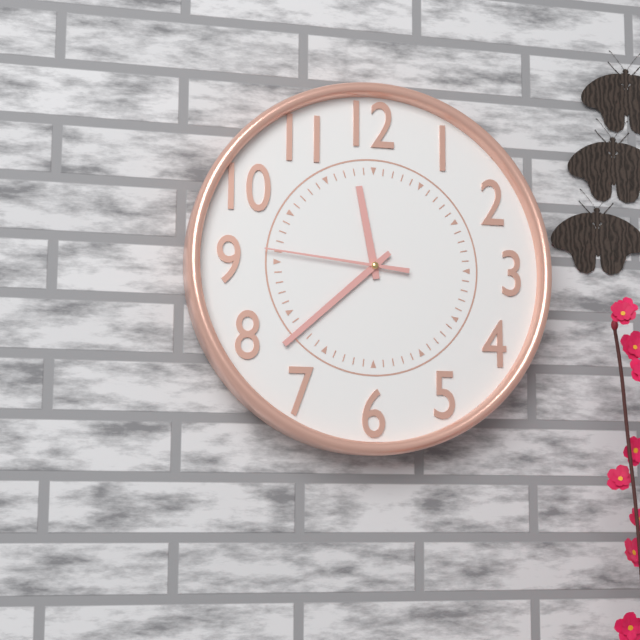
11:38:46
